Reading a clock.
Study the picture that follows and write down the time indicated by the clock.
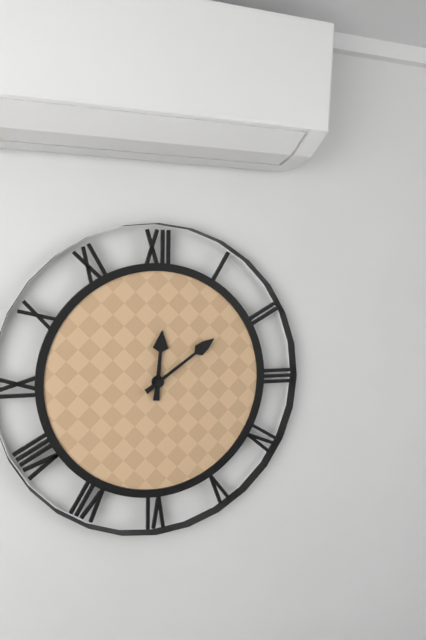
12:09
